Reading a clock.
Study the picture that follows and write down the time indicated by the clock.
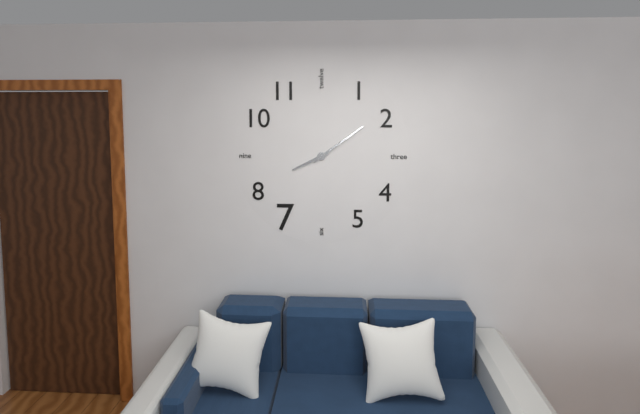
8:09
